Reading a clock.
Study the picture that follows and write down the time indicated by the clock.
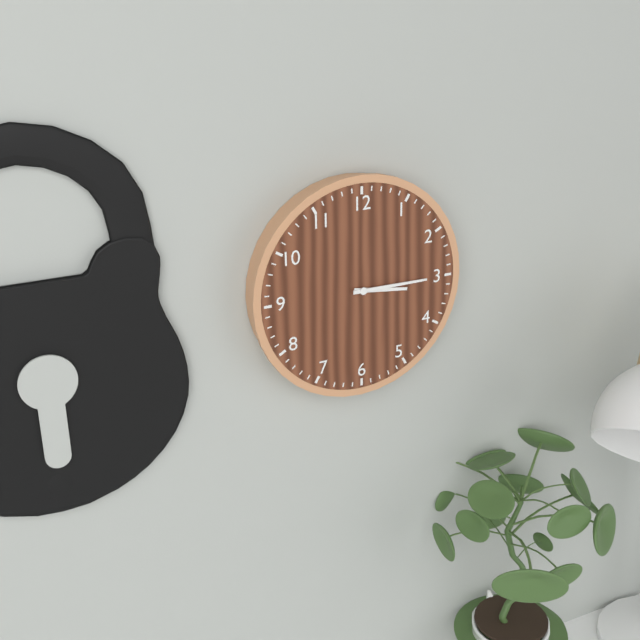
3:15
